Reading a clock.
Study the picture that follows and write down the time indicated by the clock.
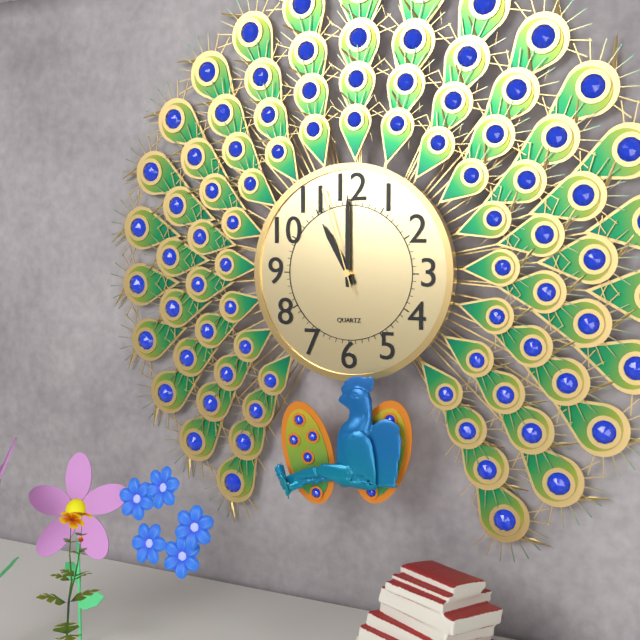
11:00:57
